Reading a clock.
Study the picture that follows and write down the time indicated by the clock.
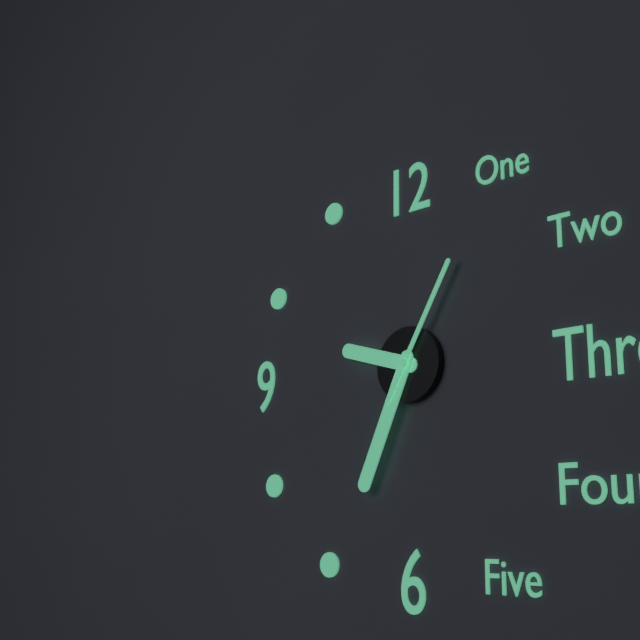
9:34:05
